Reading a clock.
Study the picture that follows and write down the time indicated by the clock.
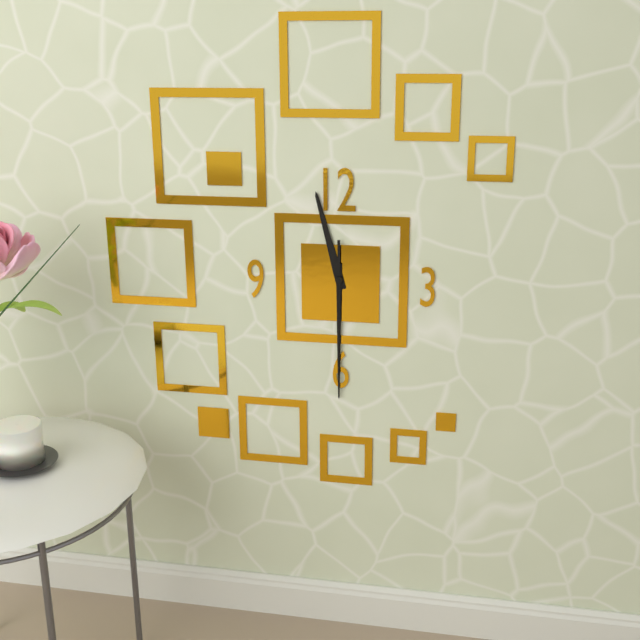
11:30:30
